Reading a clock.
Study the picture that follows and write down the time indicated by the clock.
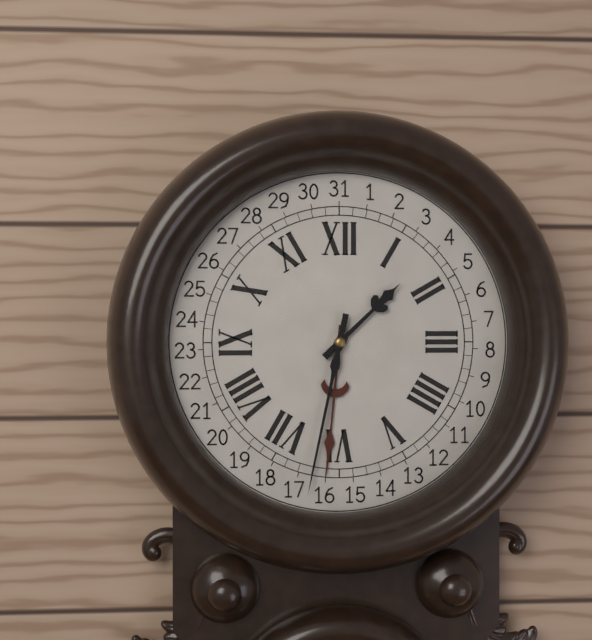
1:32
